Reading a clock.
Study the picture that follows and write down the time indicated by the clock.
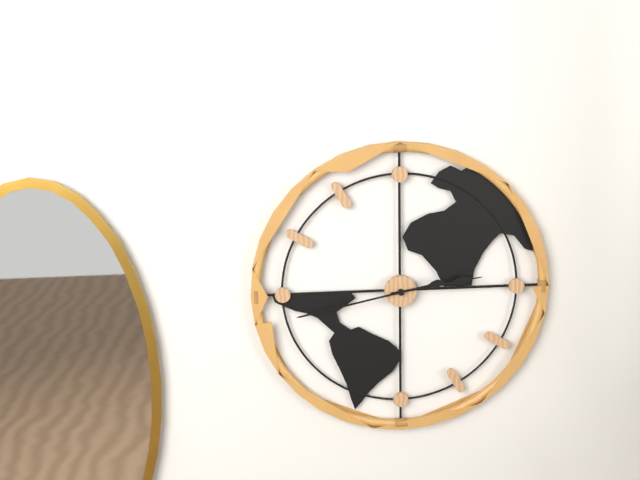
2:43
